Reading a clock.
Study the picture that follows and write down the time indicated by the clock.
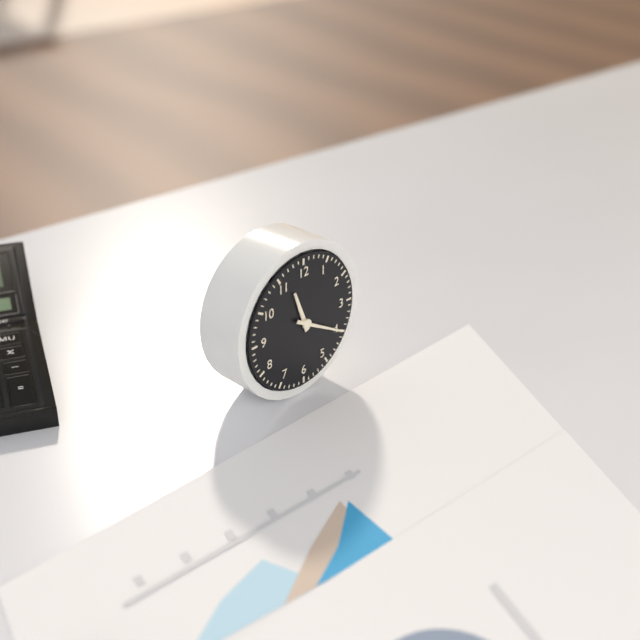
11:20
